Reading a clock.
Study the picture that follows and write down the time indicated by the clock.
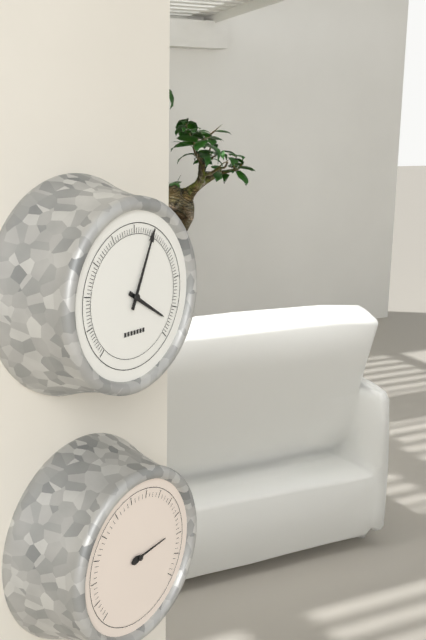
4:04
